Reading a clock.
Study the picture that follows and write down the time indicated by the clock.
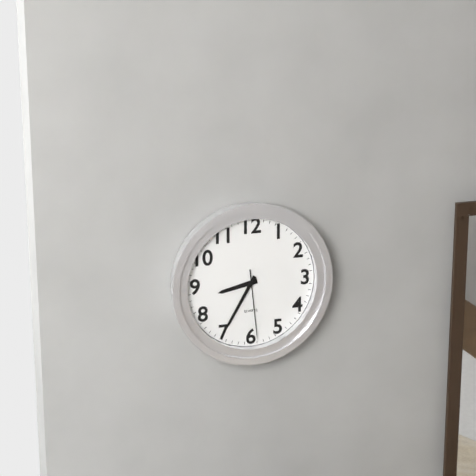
8:35:29
